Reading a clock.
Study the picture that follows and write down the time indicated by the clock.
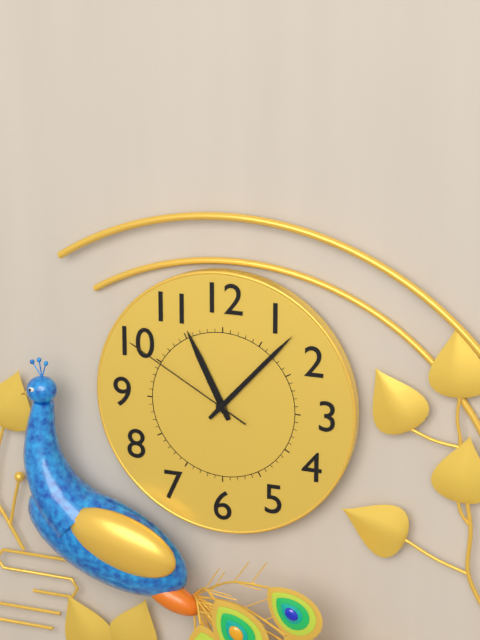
11:07:50
